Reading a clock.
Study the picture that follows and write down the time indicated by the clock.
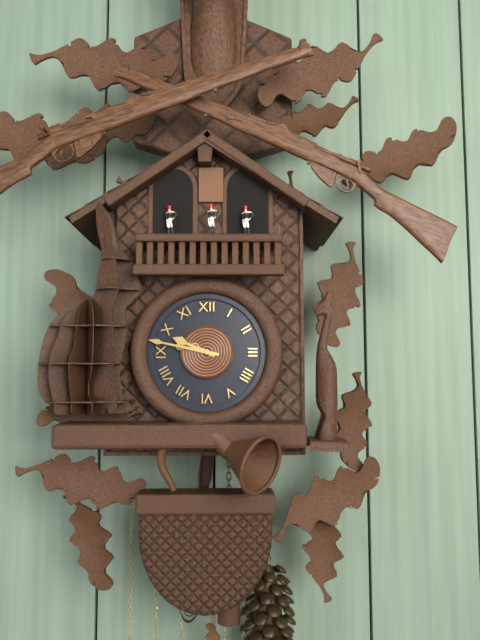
9:47
